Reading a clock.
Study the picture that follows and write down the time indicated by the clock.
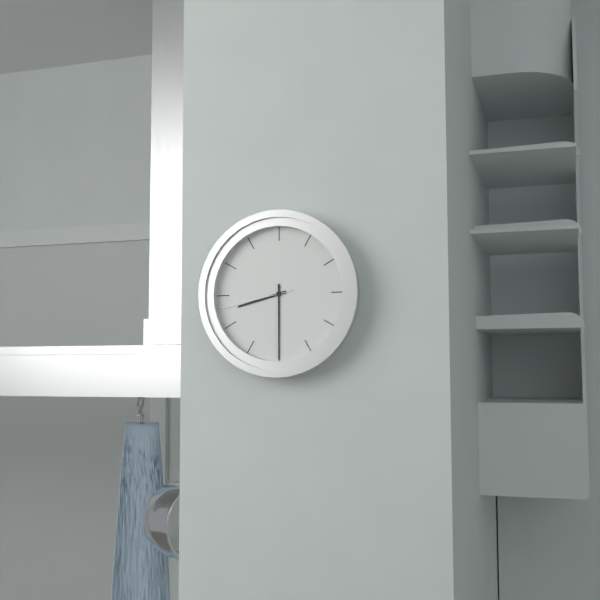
8:30:43
